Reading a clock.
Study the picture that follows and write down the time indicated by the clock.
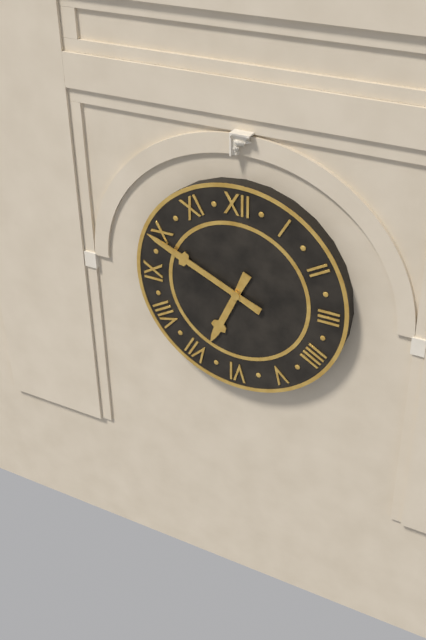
6:49
